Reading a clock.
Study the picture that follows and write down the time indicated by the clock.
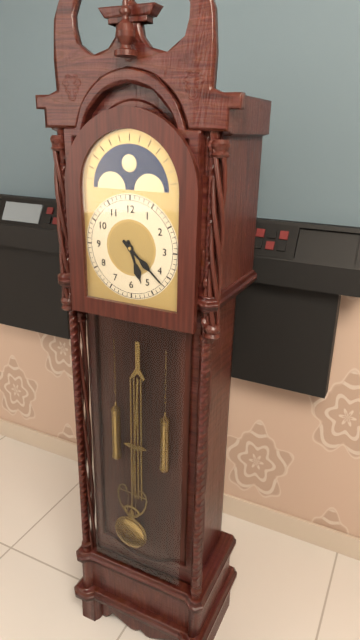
5:22
